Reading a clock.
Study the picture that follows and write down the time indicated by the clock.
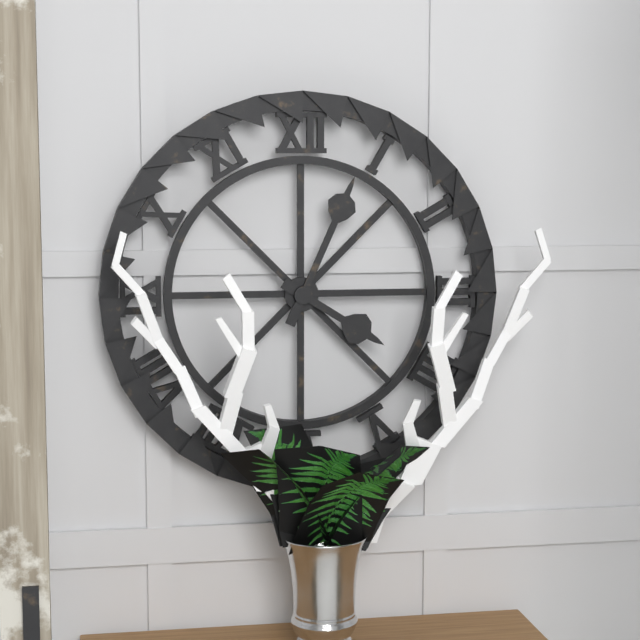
4:04
